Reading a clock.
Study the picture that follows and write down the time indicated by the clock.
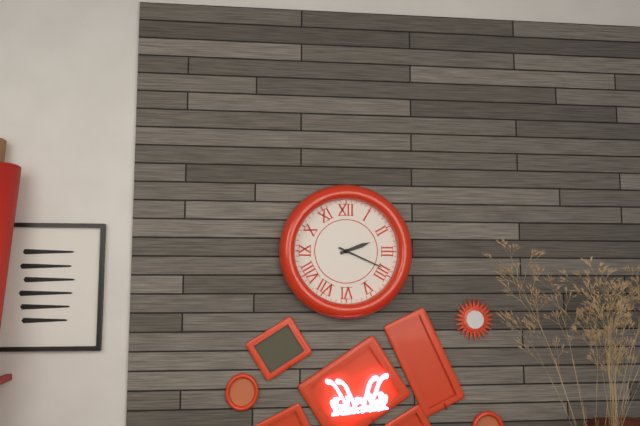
2:19
